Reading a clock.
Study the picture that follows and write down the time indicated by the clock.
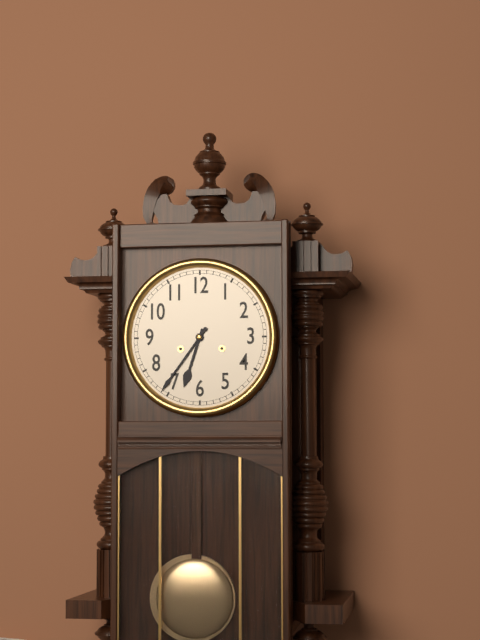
6:36
